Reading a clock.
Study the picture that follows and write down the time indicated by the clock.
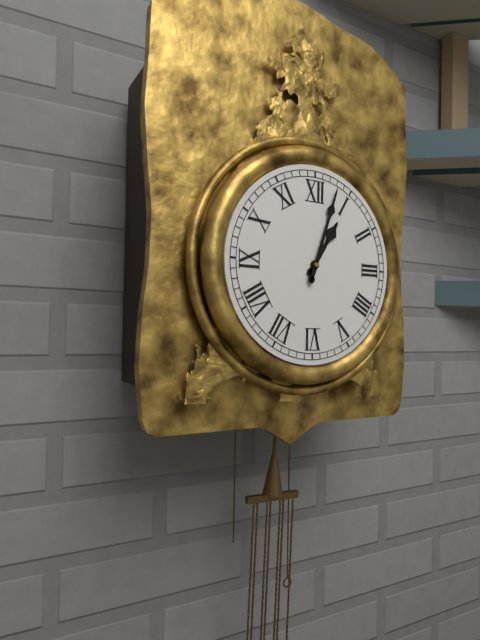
1:03
